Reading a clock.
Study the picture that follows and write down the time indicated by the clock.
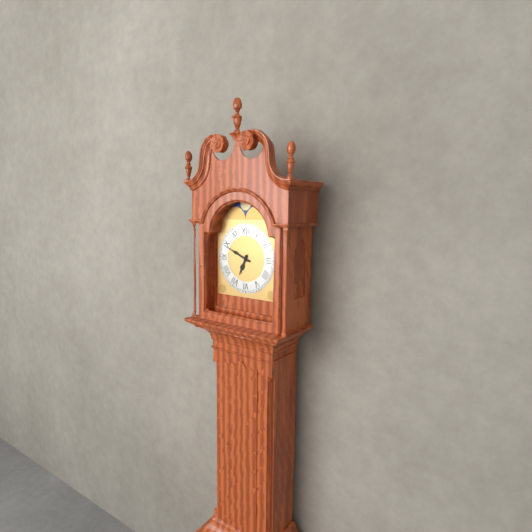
6:49
